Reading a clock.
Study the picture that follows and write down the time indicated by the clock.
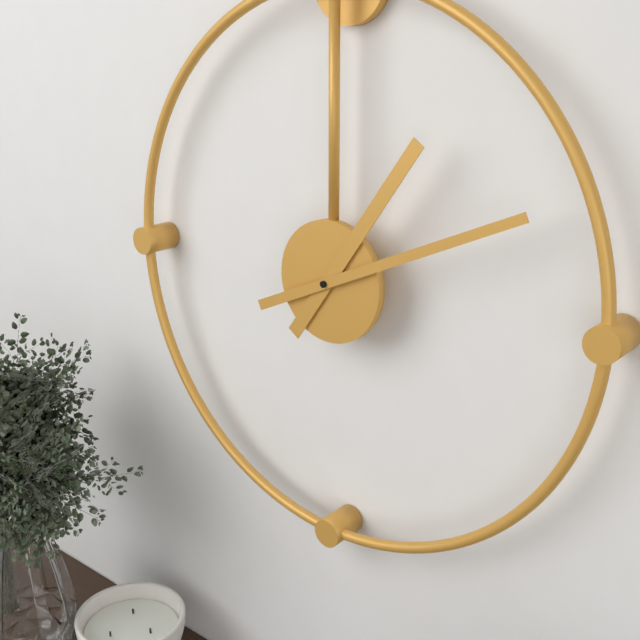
1:11
